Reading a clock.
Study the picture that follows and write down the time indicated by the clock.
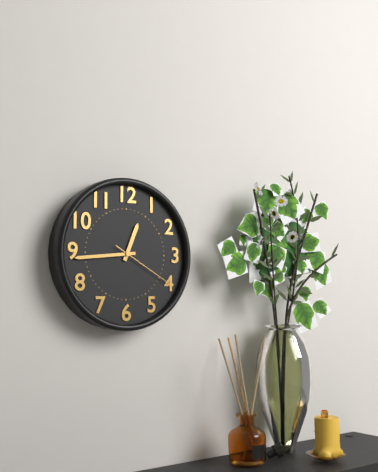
12:44:20
